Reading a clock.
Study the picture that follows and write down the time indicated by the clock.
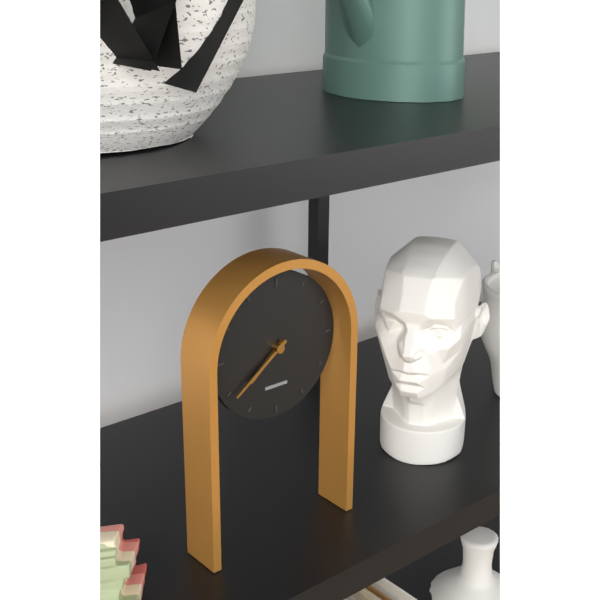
7:39
